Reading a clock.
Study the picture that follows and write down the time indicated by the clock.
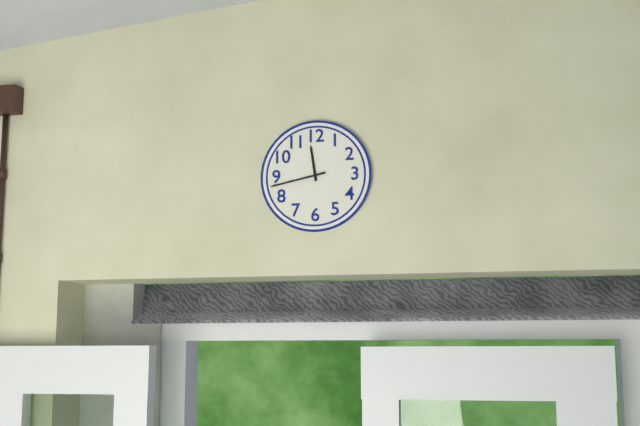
11:43
